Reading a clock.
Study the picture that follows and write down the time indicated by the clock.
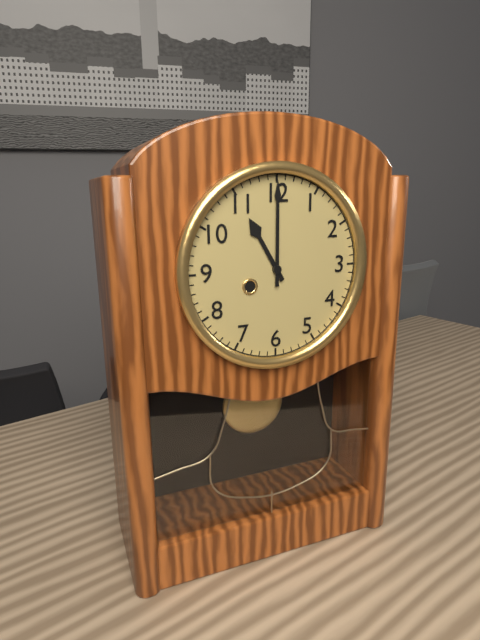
11:00
